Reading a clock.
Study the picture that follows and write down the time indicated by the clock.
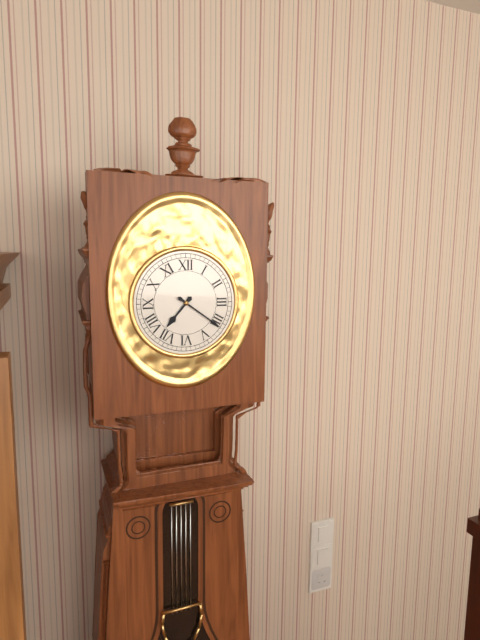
7:21
